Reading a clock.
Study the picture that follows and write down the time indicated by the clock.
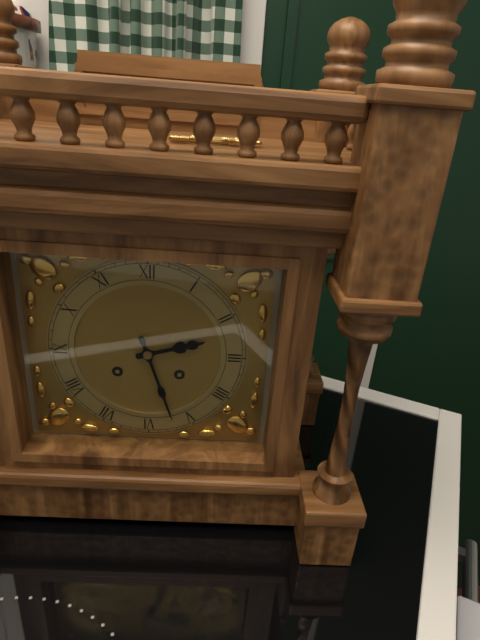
2:27
